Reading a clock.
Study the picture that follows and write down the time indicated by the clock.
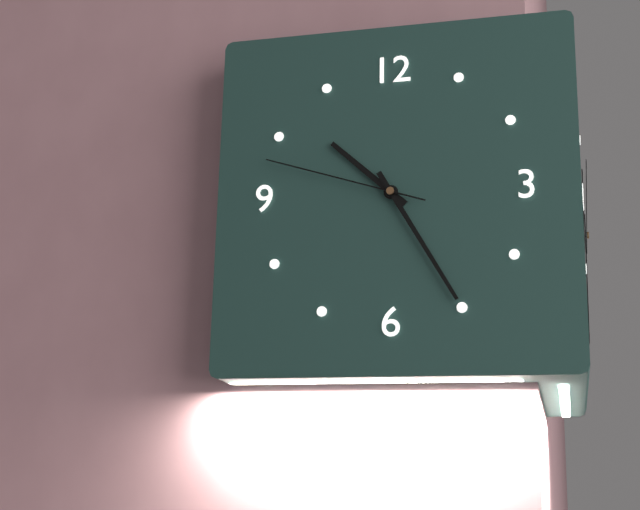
10:25:48
